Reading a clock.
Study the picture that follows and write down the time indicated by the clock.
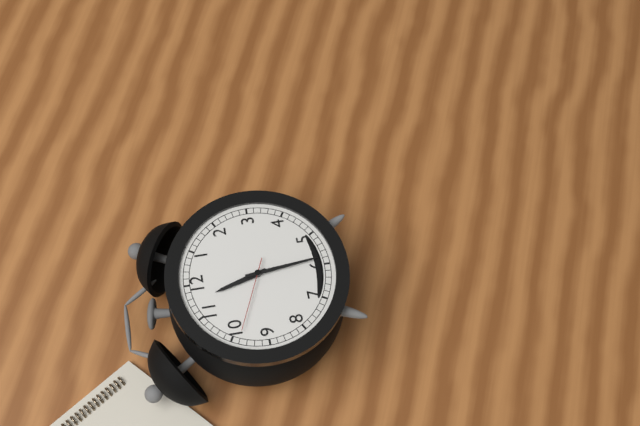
11:29:49
